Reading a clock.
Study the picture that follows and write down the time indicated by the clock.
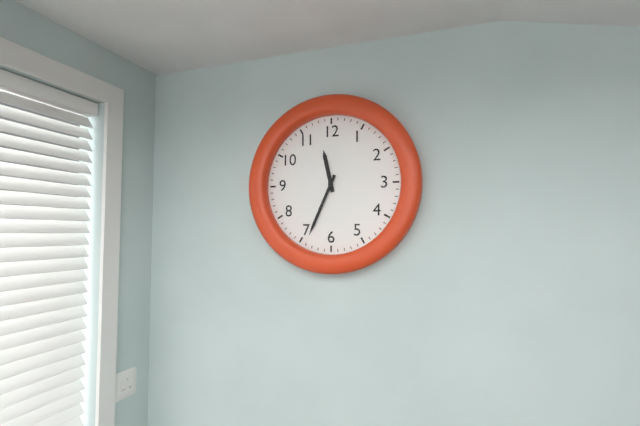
11:34
